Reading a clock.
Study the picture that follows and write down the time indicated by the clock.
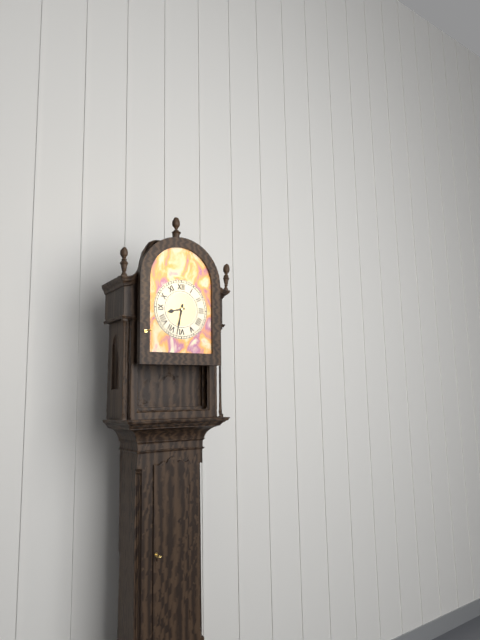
8:32
